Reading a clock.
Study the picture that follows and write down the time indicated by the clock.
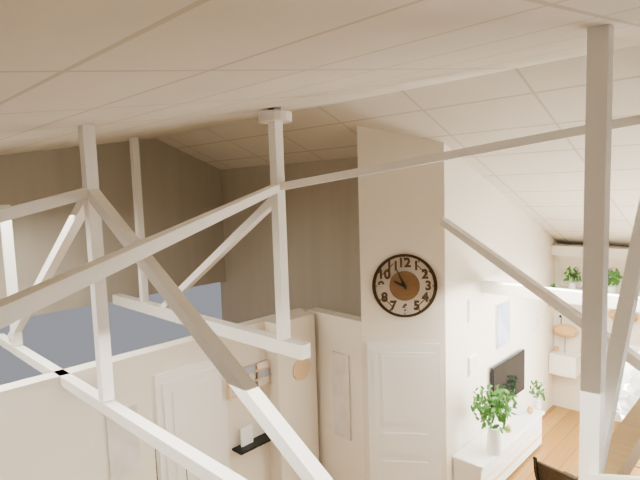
9:56
